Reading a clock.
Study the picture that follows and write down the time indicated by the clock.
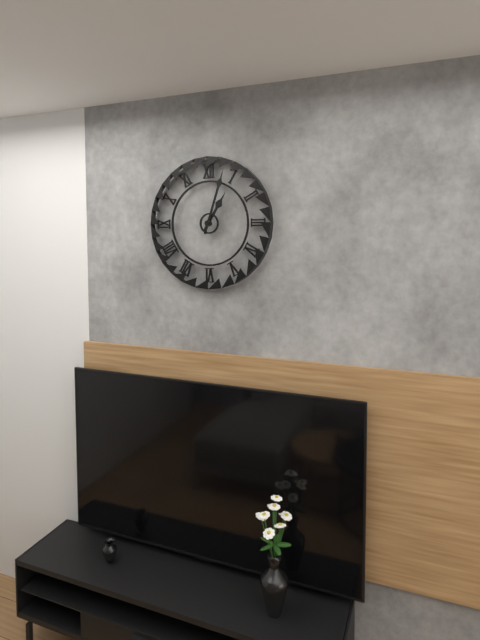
1:03
